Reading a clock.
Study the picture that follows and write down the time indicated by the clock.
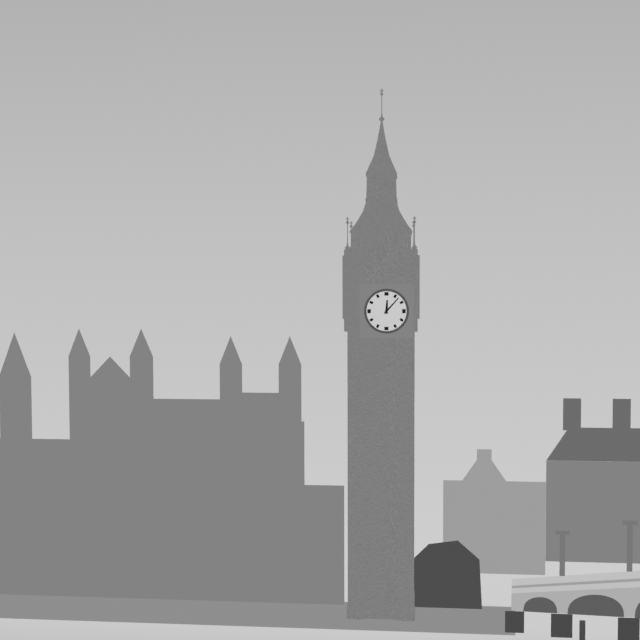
12:07
